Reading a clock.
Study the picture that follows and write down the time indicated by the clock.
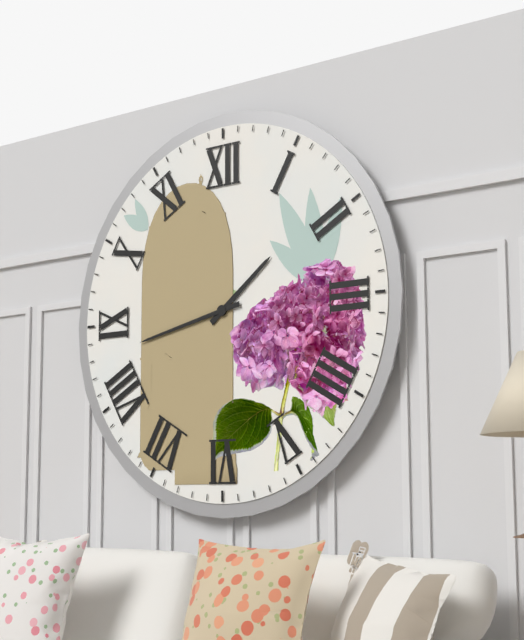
1:43
